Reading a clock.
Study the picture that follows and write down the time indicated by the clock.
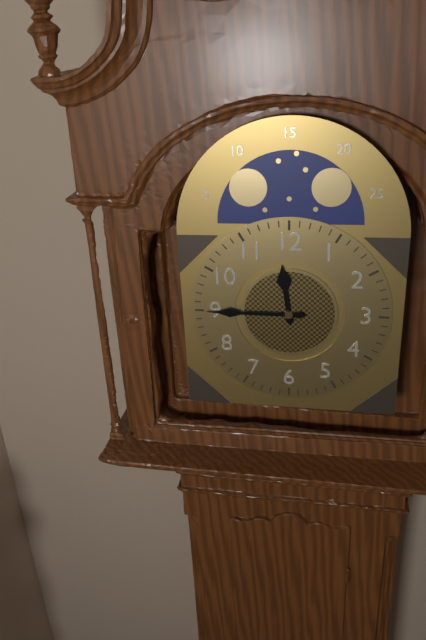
11:45
